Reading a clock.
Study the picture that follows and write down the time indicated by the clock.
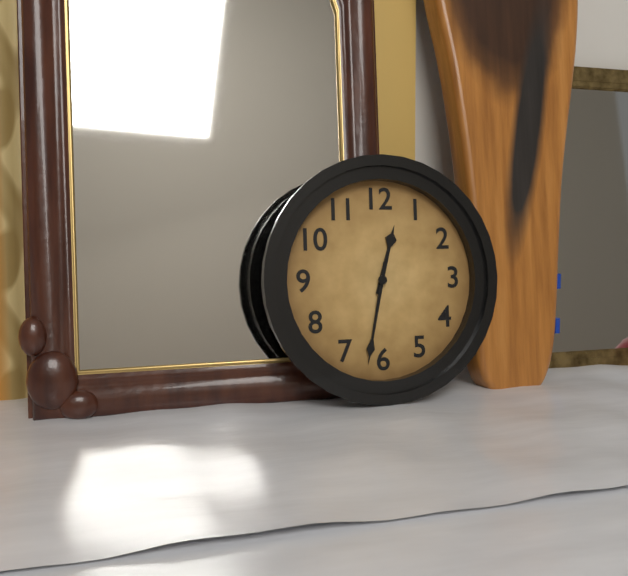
12:32
